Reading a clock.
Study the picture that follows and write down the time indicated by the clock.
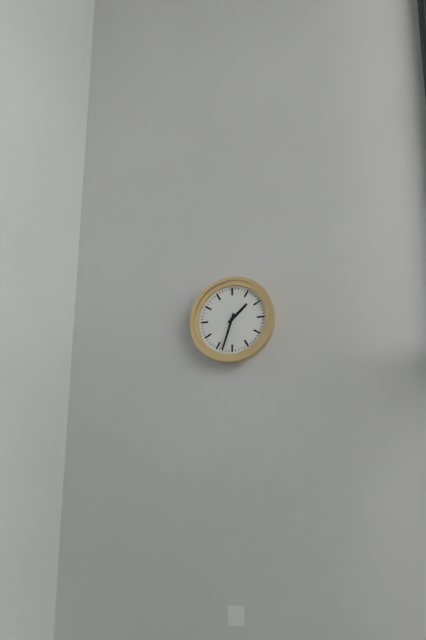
1:33
